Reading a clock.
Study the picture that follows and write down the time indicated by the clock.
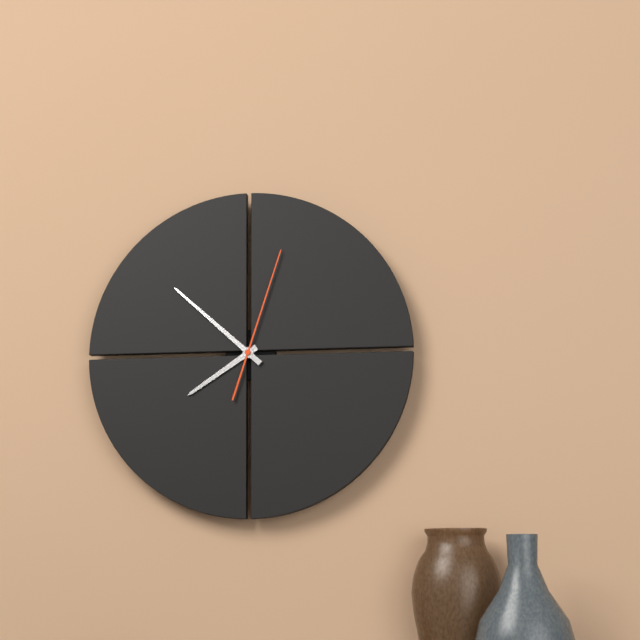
7:52:03
